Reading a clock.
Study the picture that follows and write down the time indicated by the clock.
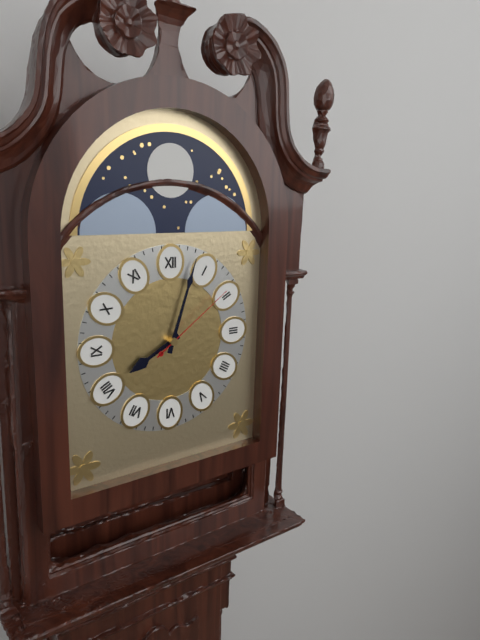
8:03:09
